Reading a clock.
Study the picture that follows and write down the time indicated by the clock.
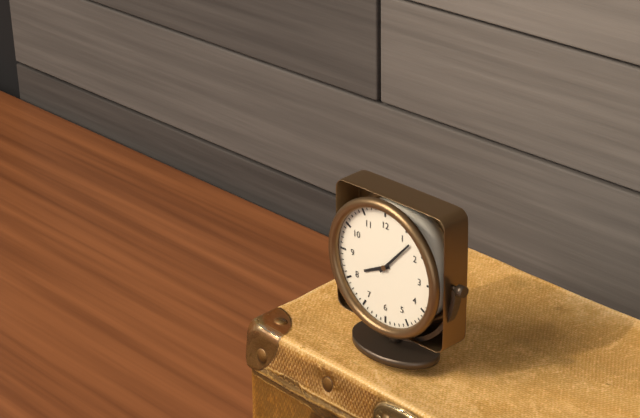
8:07
